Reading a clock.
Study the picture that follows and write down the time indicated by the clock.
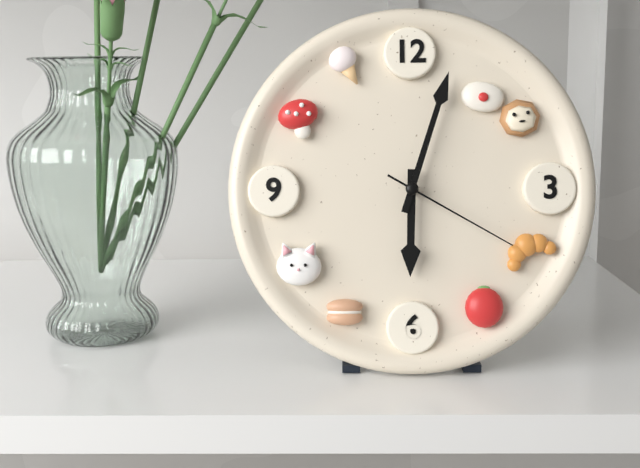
6:03:20
